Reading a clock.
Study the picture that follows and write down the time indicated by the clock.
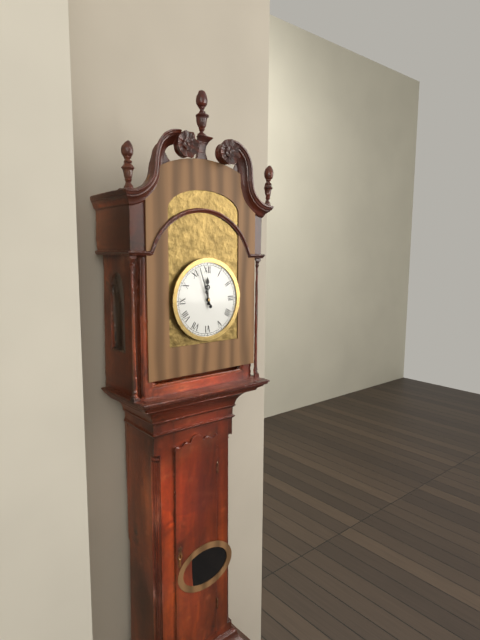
11:57
